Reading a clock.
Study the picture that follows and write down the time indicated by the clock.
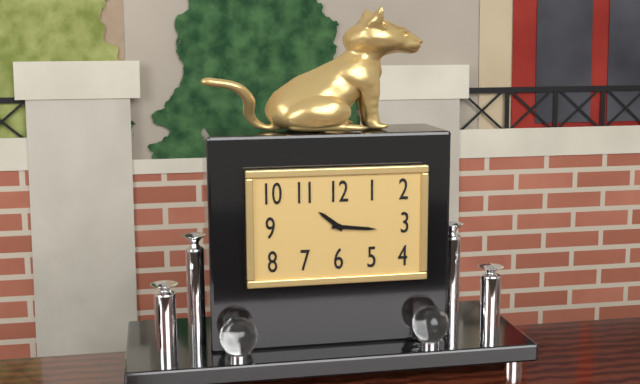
10:16
